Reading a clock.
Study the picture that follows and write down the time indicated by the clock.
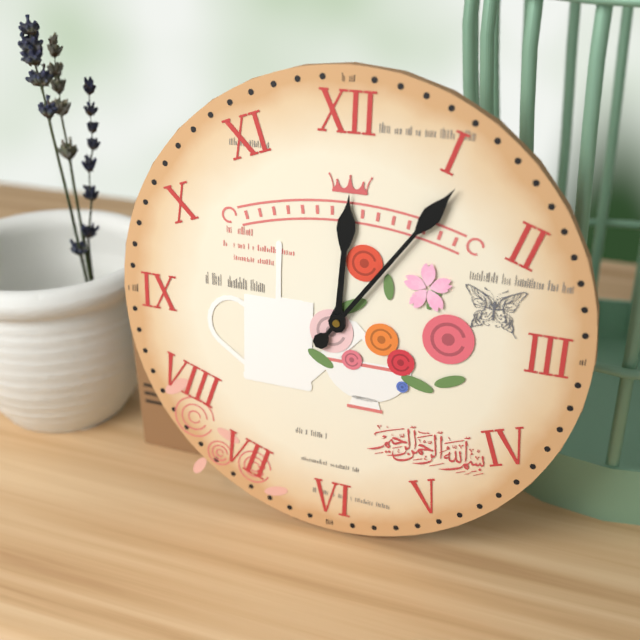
12:06
